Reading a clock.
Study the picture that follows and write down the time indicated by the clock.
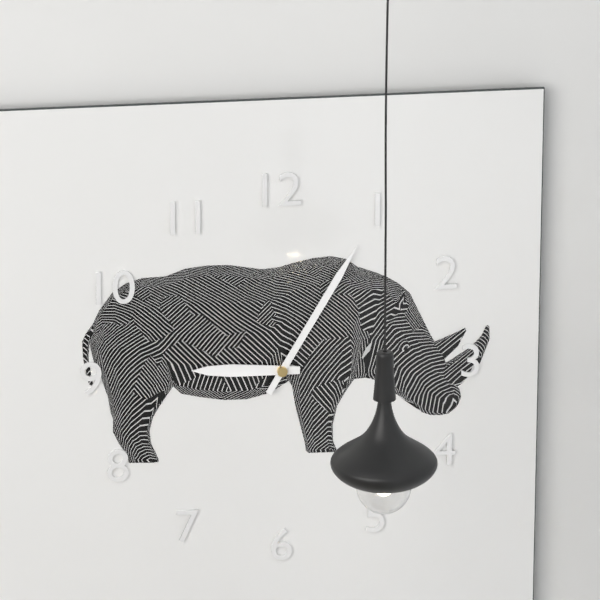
9:05
